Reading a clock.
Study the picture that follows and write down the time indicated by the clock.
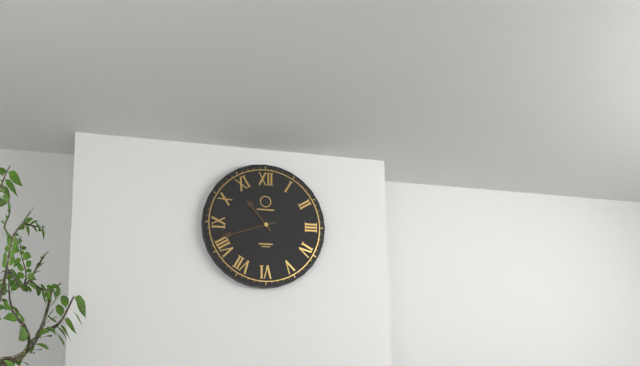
10:42
